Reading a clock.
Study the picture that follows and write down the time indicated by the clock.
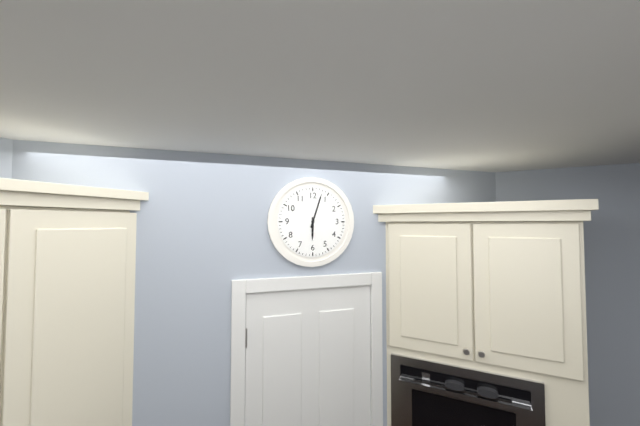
6:03
